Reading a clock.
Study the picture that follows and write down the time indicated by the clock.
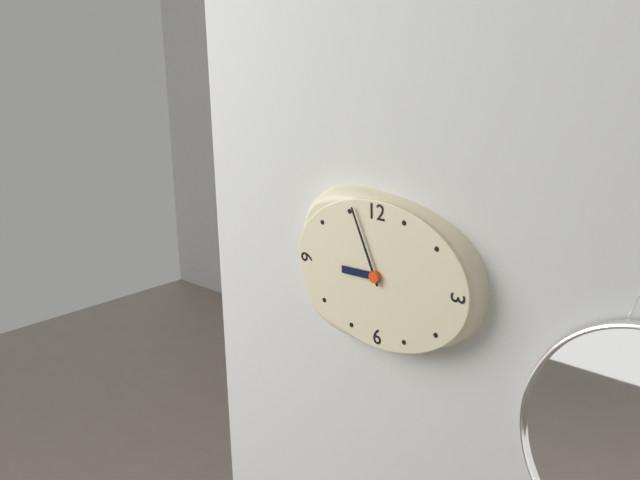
8:56
